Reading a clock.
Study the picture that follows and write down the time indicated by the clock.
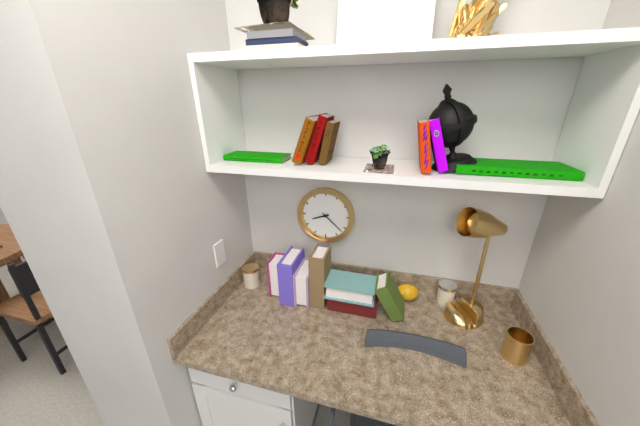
8:22
